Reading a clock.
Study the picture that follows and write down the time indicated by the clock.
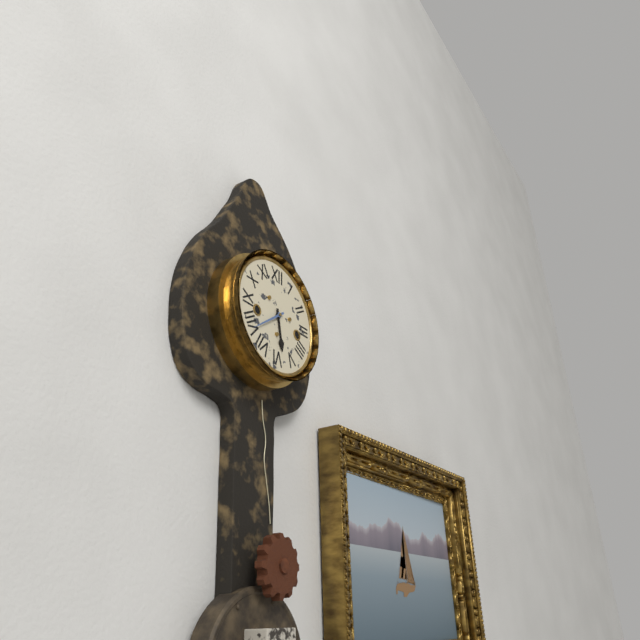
5:39
